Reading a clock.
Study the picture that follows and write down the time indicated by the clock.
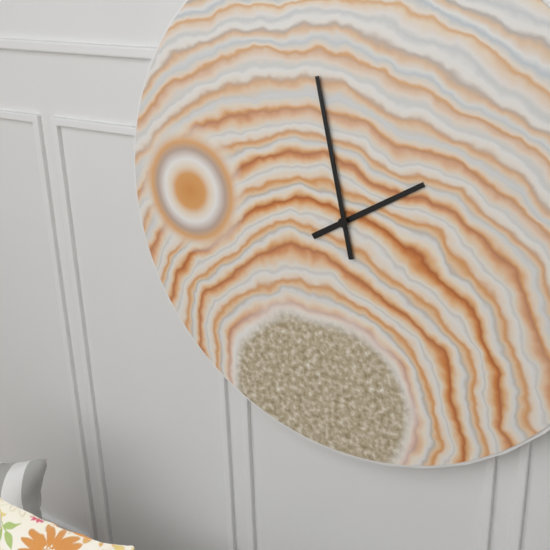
1:58
